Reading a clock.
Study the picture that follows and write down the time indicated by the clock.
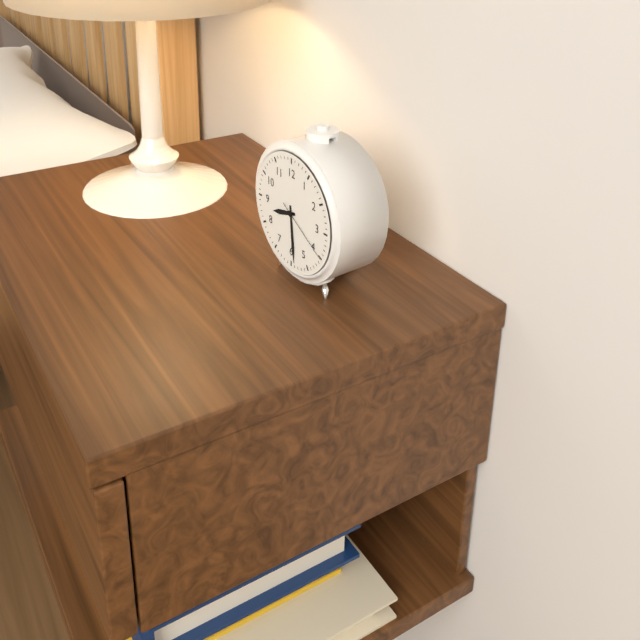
8:29:20
